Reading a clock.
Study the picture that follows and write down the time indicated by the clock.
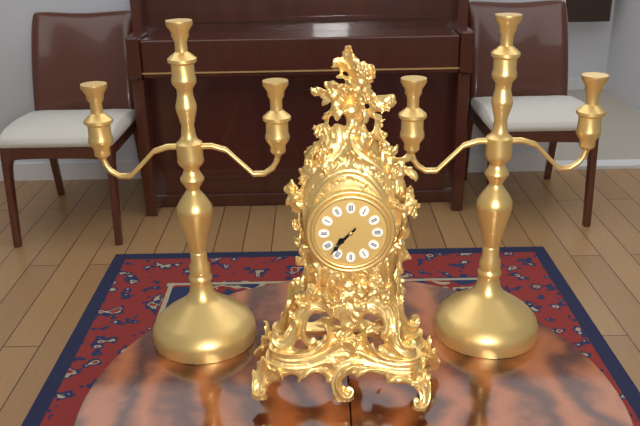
7:37
